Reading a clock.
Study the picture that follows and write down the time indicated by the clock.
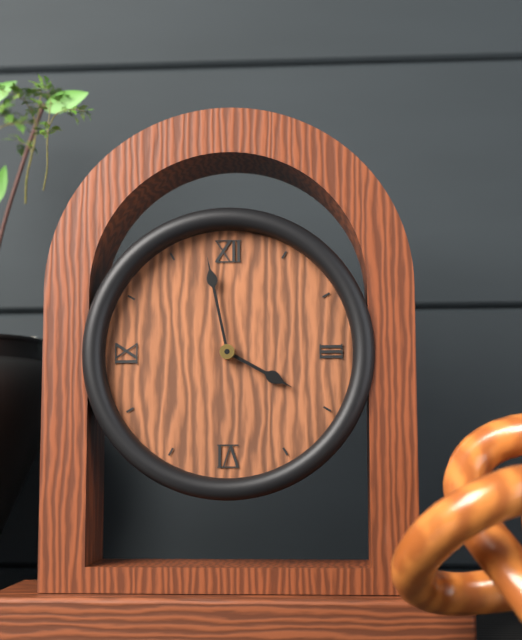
3:58
